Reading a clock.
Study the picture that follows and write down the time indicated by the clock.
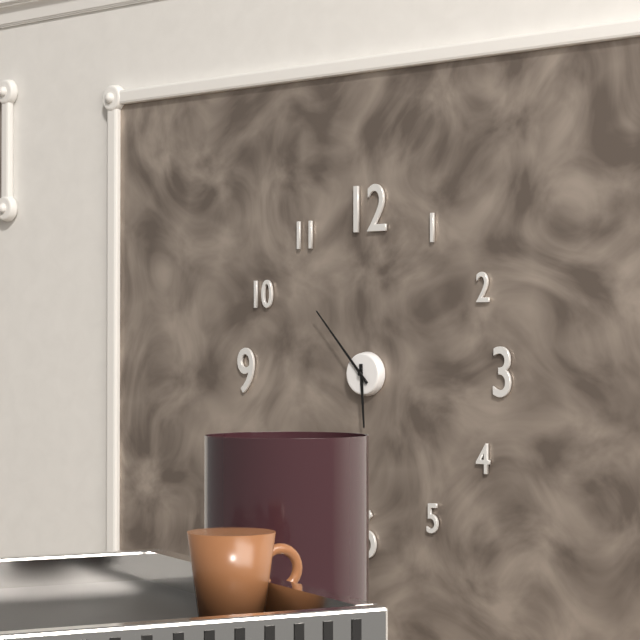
5:53
